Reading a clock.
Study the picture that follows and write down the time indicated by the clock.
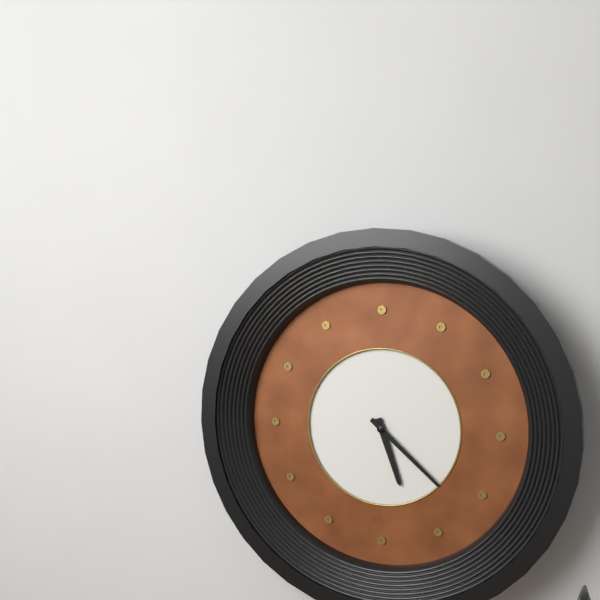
5:22
